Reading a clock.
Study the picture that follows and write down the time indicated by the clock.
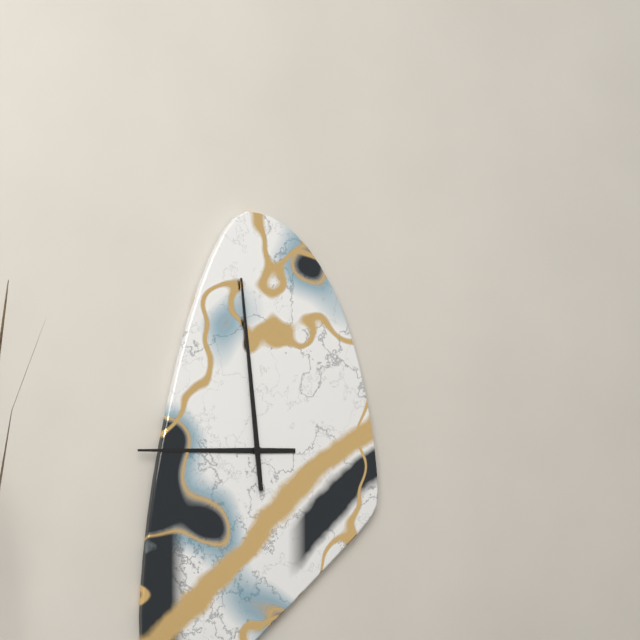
8:59
